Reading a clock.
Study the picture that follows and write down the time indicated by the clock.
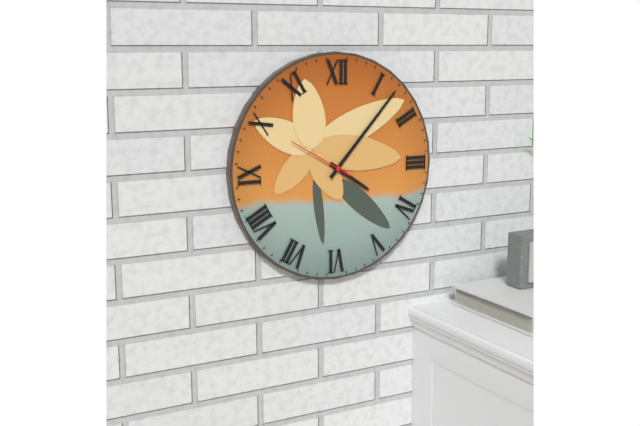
4:07:50
